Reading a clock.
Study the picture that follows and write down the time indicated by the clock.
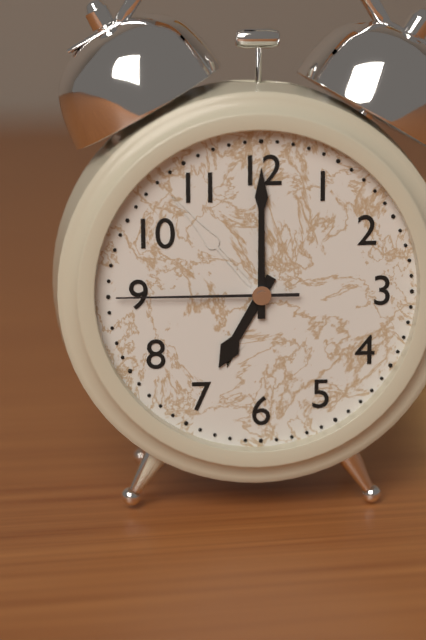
7:00:45
